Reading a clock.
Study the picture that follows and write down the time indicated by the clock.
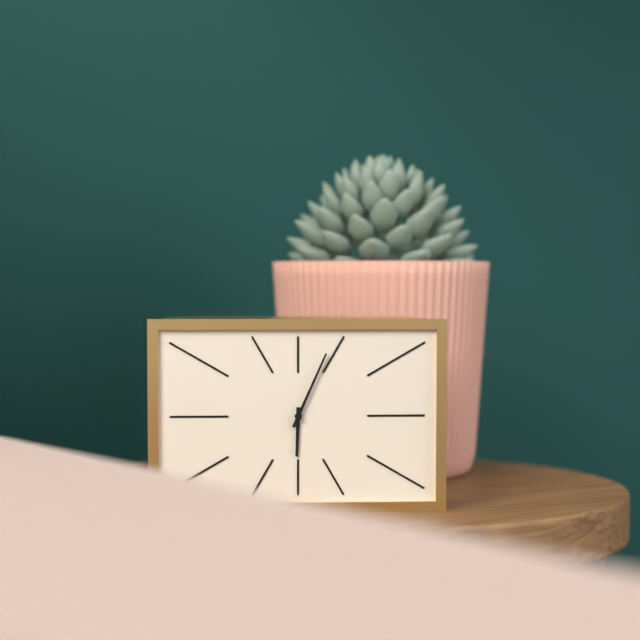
6:04
